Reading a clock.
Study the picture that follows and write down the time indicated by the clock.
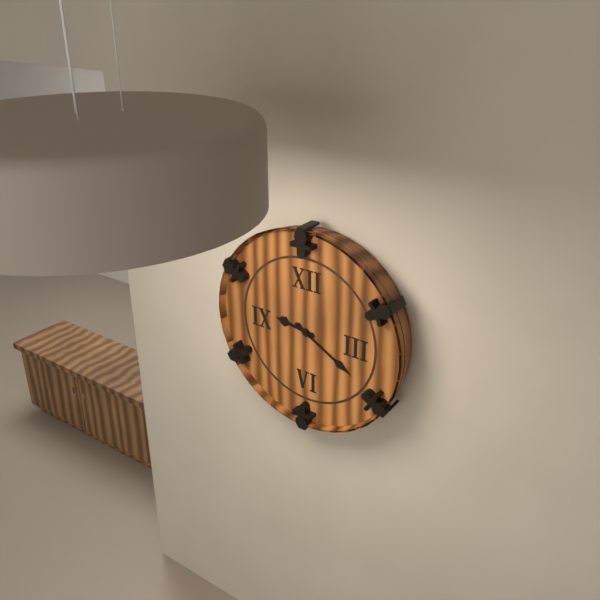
9:20
